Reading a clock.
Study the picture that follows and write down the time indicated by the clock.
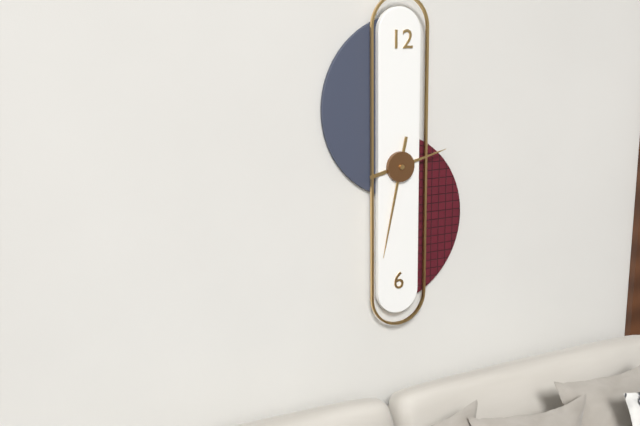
2:32
